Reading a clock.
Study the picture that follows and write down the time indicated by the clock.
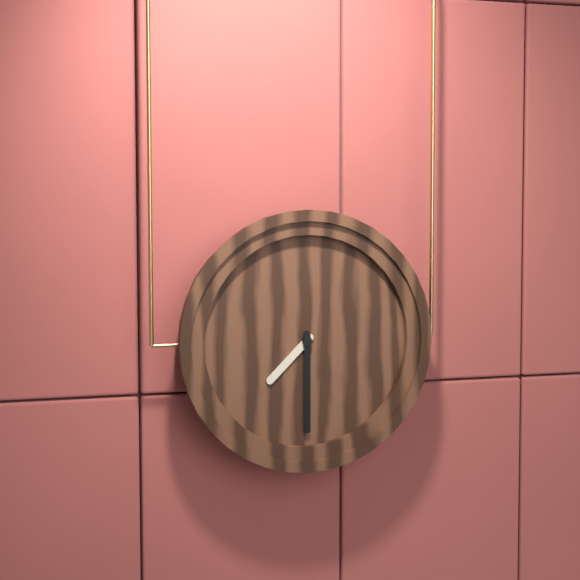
7:30
